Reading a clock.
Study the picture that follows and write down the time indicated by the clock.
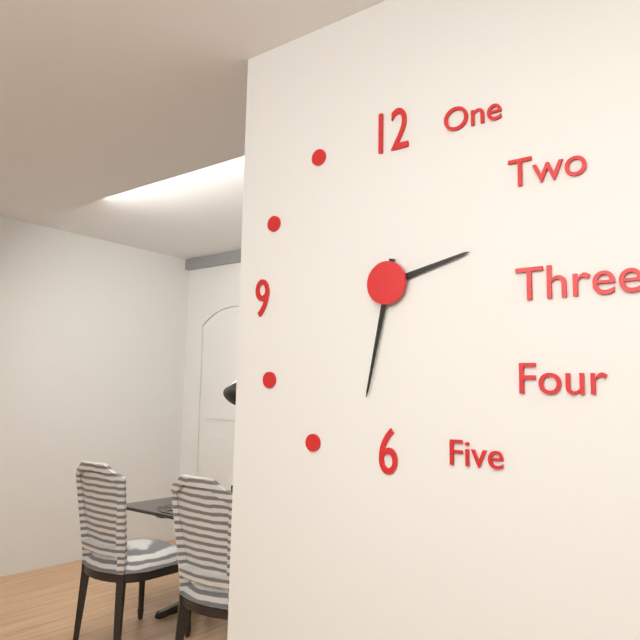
2:32
